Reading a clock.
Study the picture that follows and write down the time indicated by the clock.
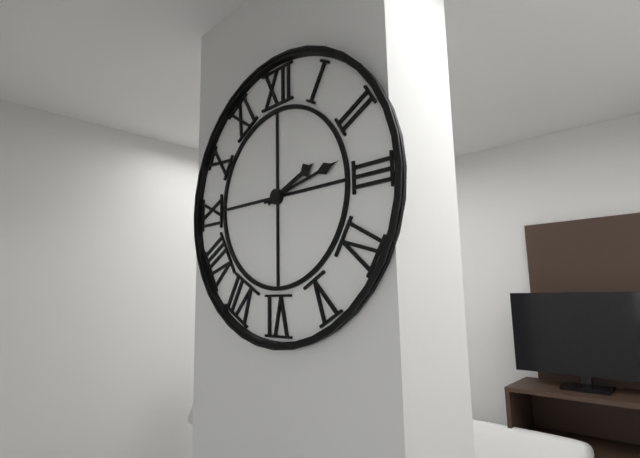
2:13
